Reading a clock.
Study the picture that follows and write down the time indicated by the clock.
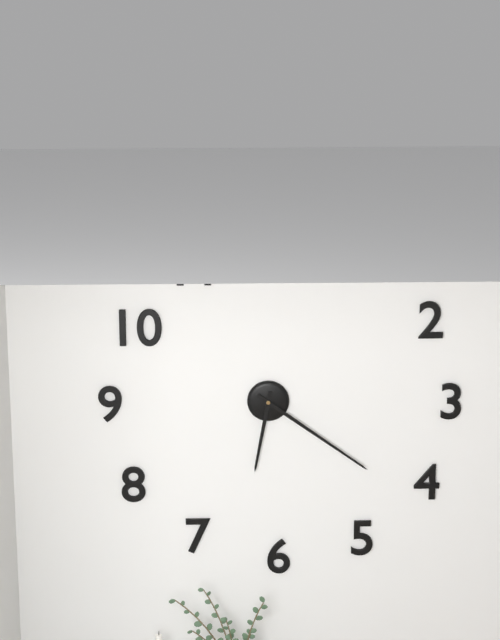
6:21
